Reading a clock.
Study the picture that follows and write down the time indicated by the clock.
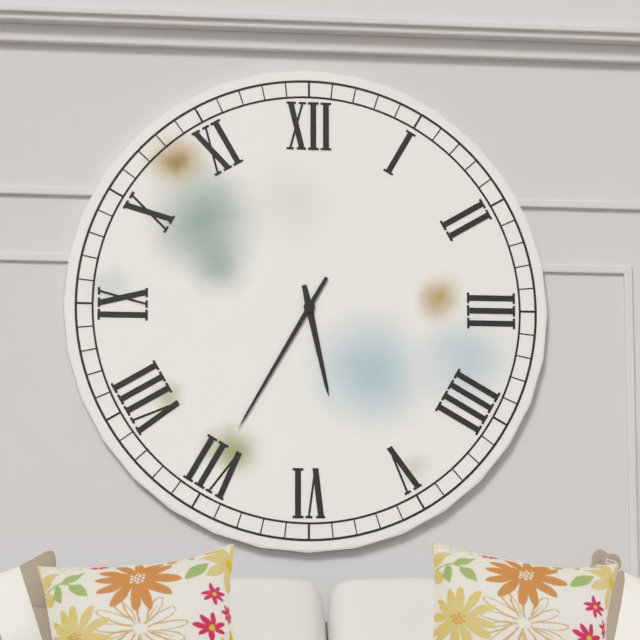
5:35
